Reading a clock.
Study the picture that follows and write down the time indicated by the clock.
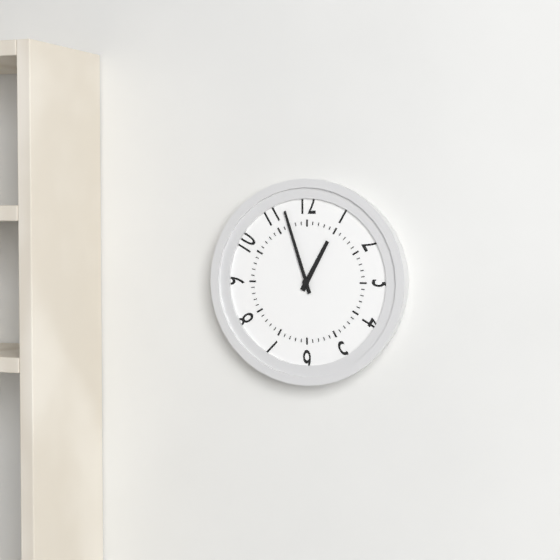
12:57
